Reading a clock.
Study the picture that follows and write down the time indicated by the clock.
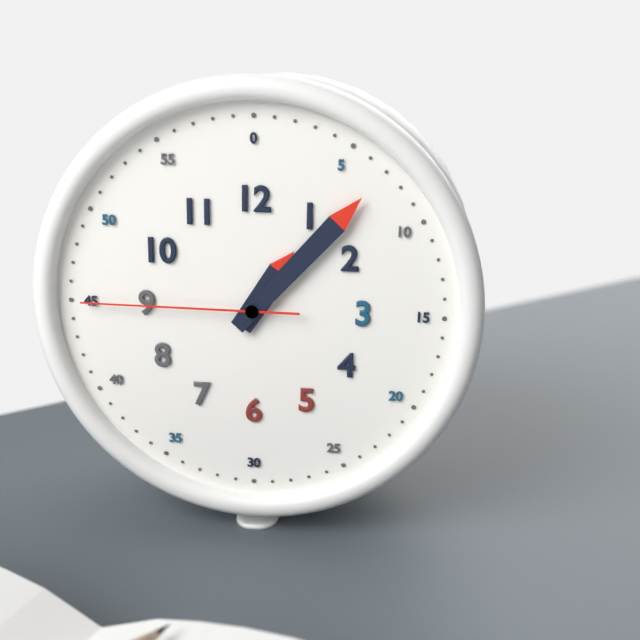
1:07:45
